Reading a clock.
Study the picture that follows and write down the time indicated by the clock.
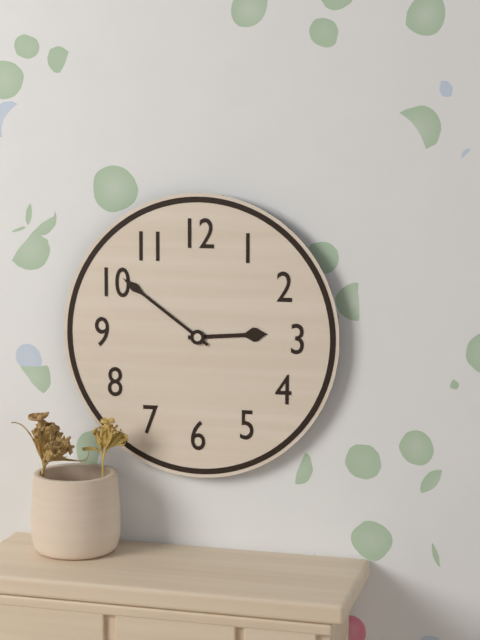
2:51
